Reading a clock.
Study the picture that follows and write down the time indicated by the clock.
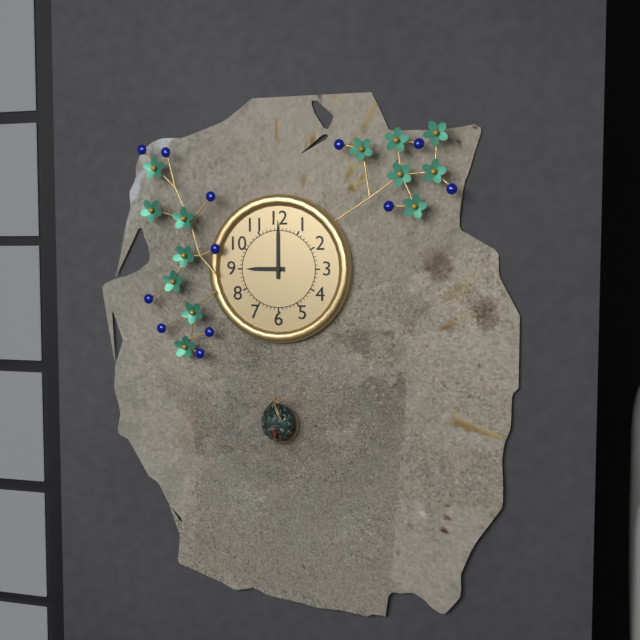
9:00
